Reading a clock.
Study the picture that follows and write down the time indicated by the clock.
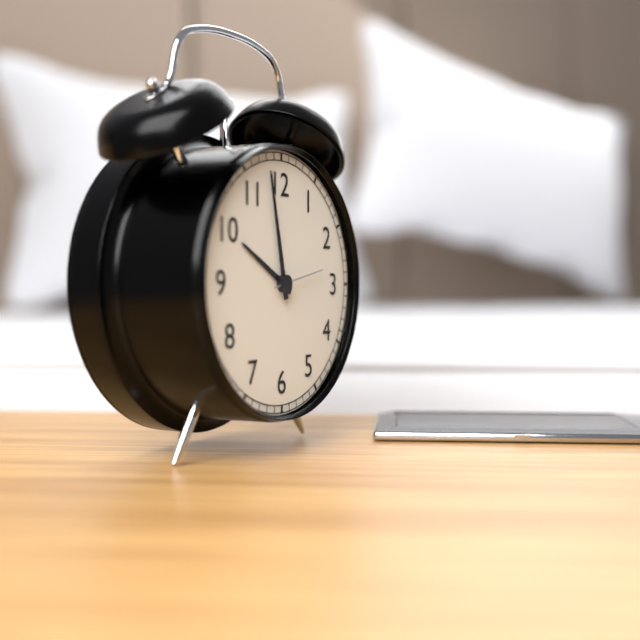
9:58:13
